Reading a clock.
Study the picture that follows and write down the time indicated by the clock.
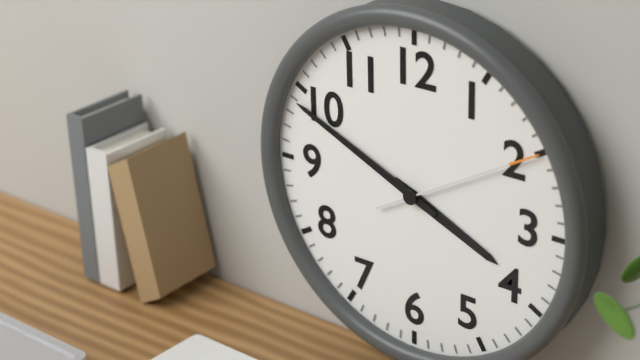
3:49:10
